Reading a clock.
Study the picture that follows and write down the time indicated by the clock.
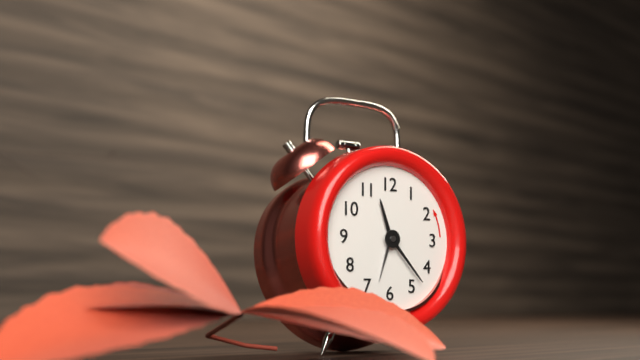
11:23:33
